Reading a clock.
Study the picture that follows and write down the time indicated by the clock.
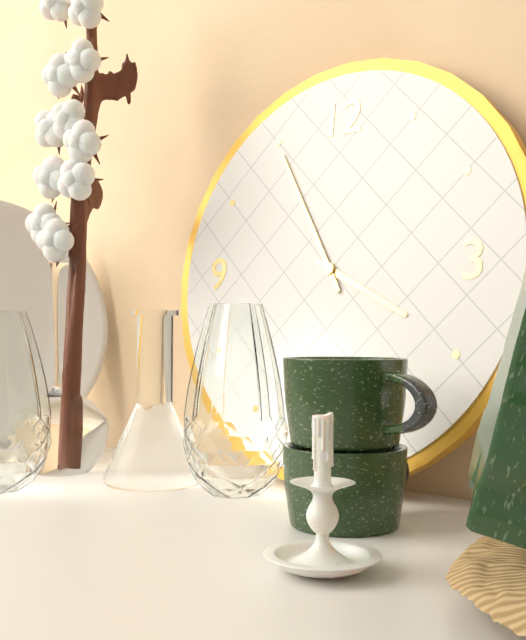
3:55
